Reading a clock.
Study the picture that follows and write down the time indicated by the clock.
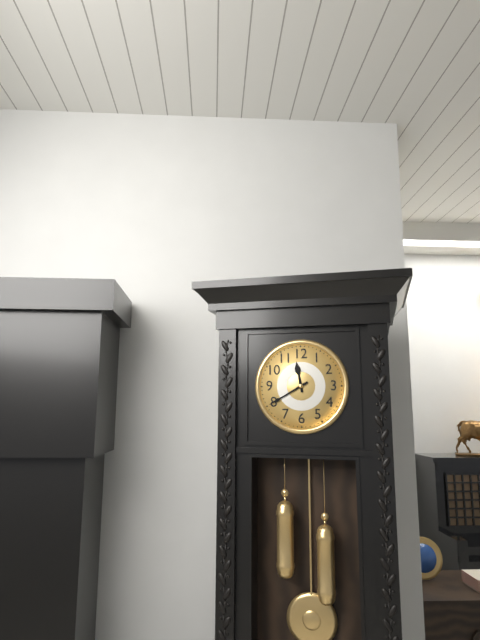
11:40
